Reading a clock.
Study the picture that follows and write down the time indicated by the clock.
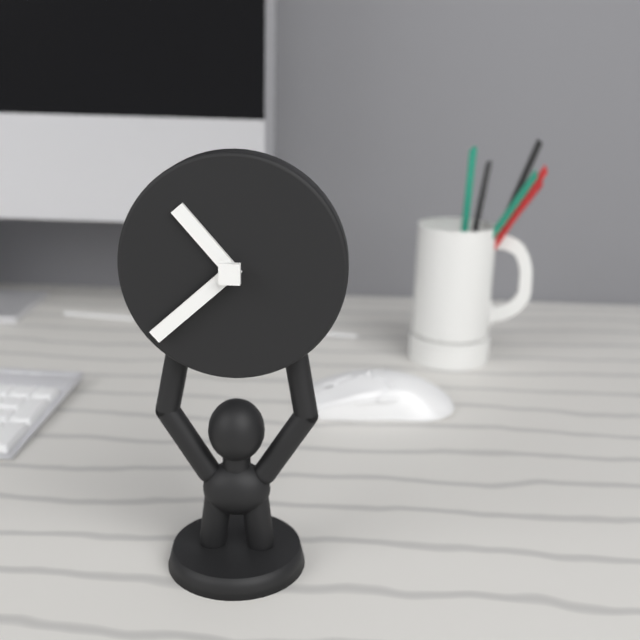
10:38
